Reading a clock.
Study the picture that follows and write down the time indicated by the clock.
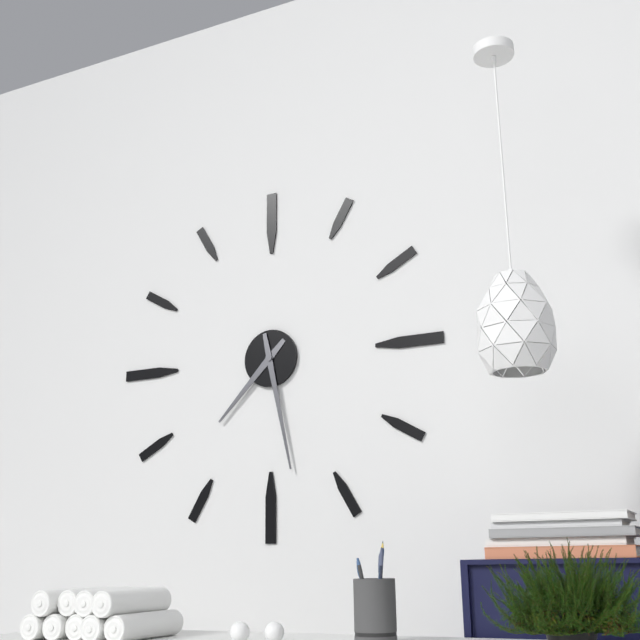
7:28
